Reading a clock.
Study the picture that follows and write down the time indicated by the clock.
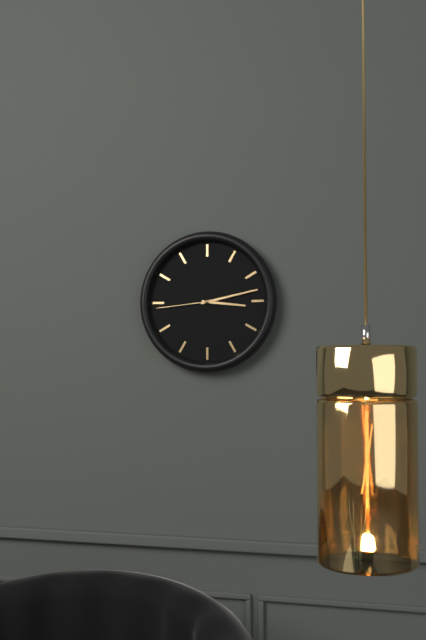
3:13:44
